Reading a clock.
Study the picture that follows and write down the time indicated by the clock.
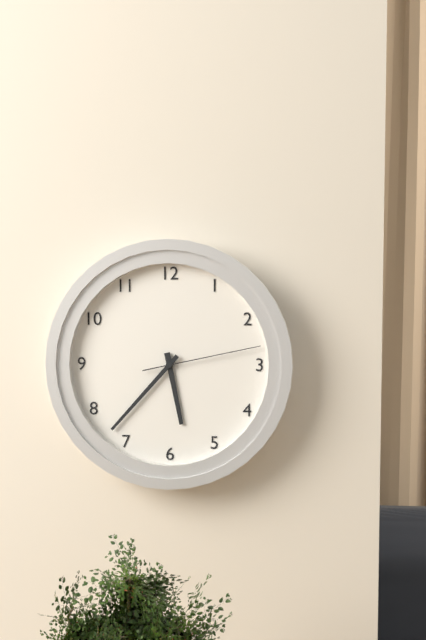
5:37:13
